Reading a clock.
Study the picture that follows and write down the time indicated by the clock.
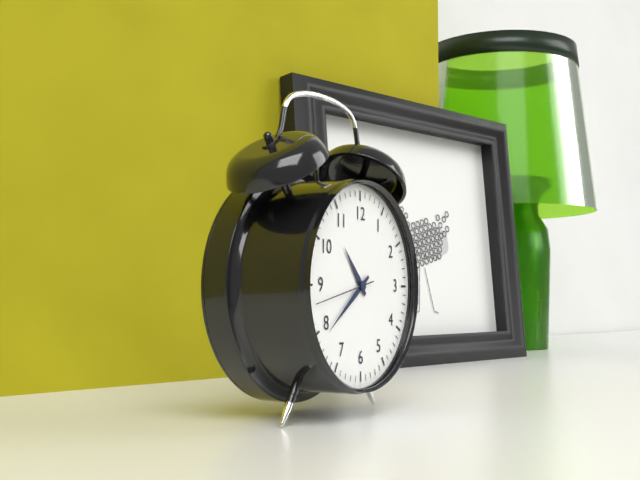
10:39:43
